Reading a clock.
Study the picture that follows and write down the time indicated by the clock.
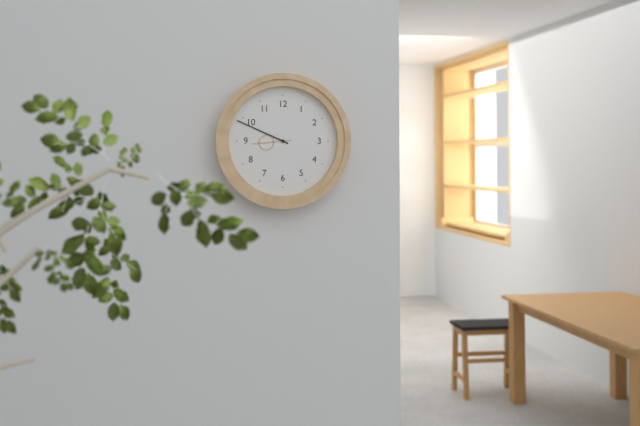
8:49
